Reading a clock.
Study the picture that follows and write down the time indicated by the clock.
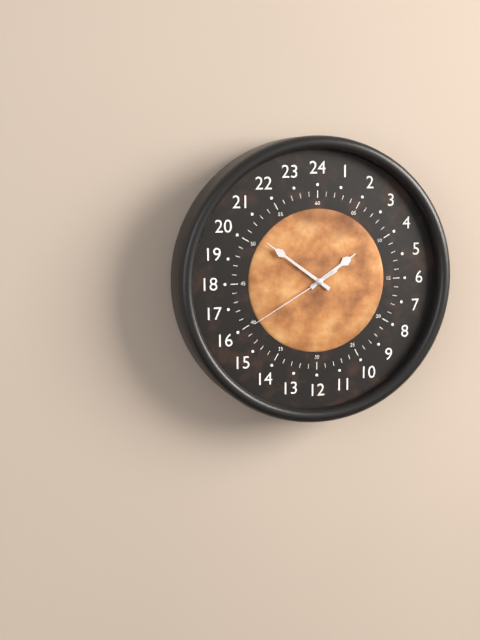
1:51:40
